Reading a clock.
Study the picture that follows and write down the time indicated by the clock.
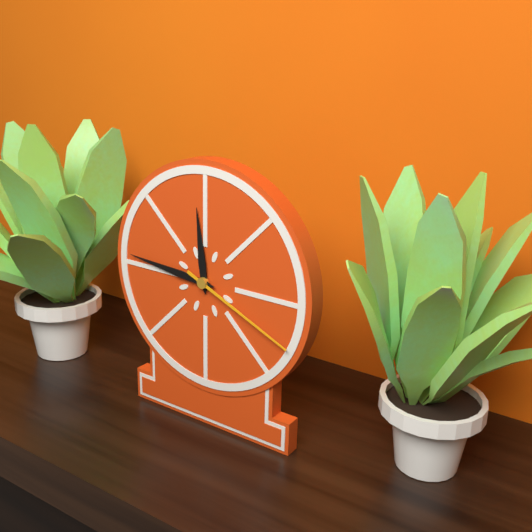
11:46:19
